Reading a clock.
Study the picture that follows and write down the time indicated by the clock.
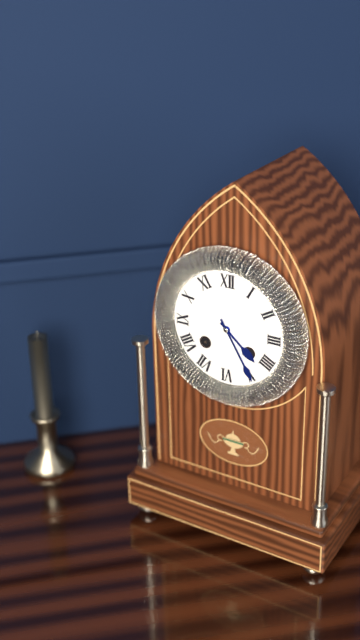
4:25
